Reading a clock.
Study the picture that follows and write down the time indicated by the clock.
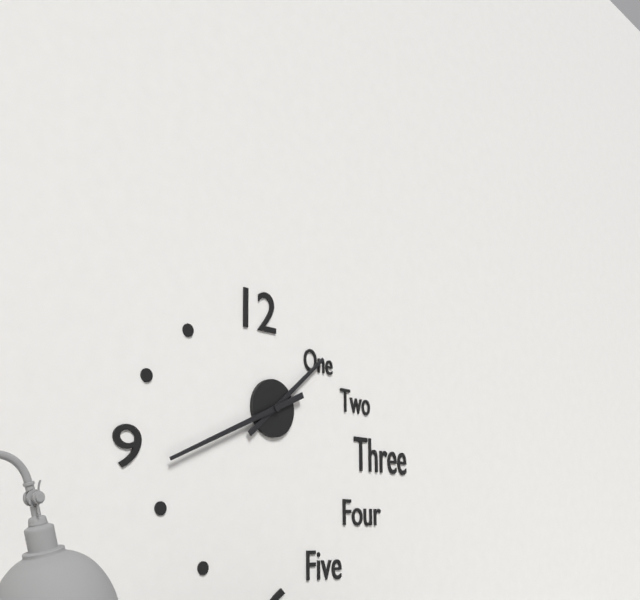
1:41
